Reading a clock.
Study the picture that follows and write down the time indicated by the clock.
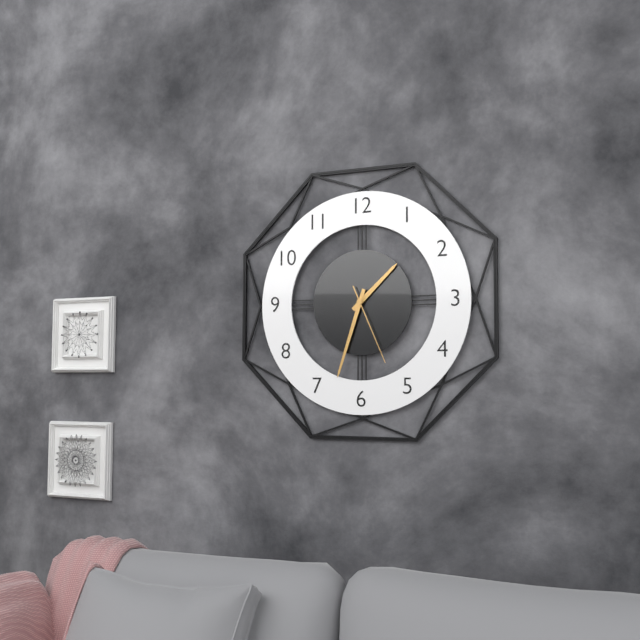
1:33:26
